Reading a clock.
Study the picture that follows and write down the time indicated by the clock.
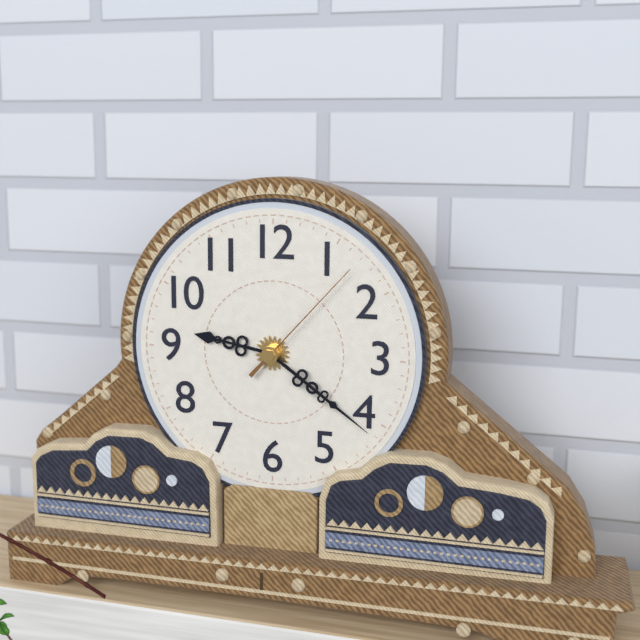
9:21:07
